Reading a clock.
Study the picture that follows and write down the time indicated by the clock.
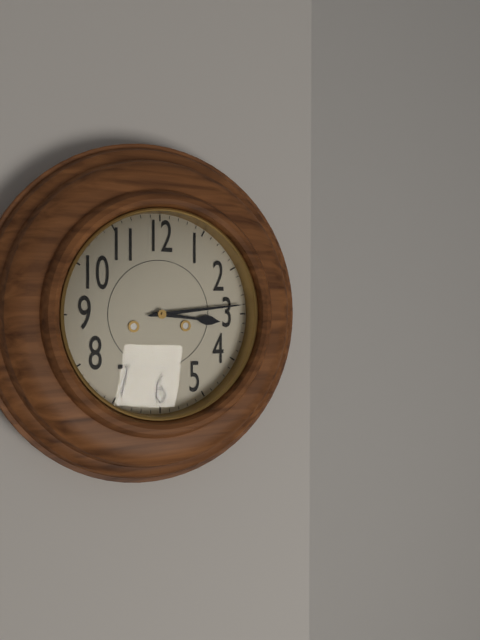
3:14
